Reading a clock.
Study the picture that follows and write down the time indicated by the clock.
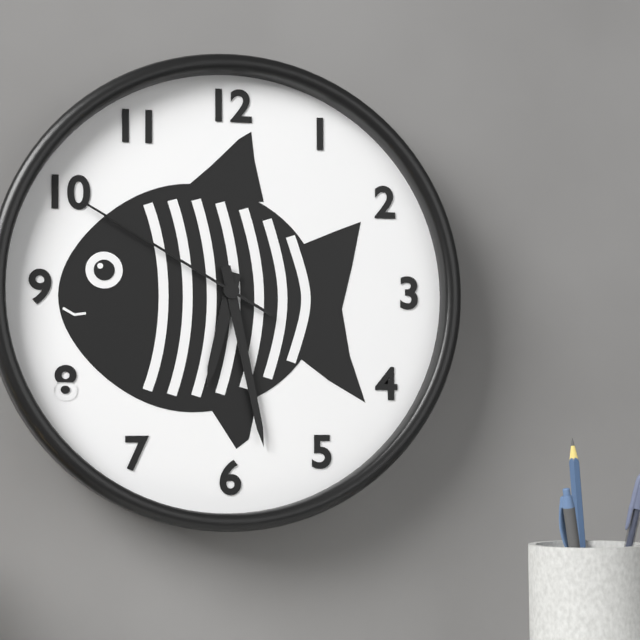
6:28:50
